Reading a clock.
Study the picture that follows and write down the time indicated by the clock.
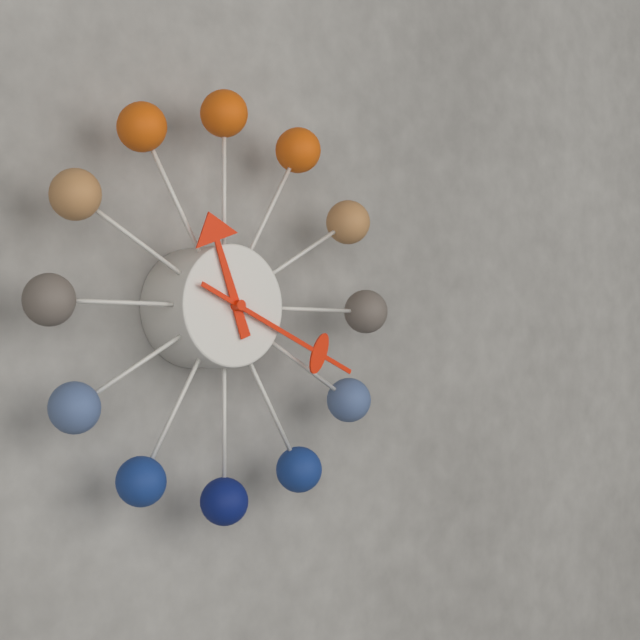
11:19
